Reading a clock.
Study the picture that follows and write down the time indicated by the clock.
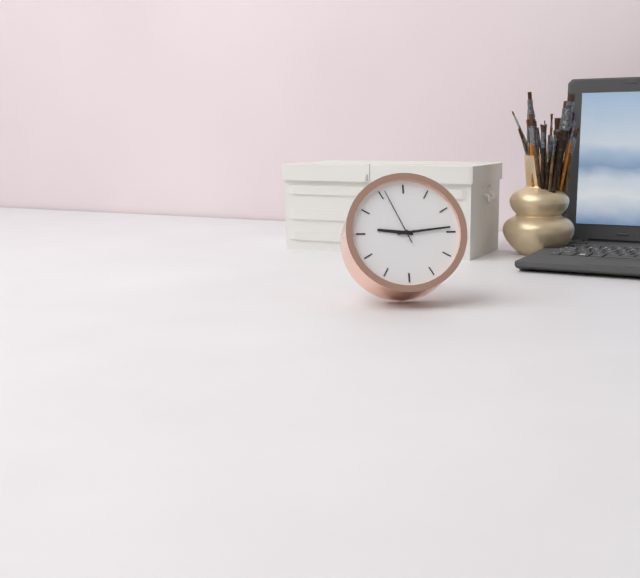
9:14:56
